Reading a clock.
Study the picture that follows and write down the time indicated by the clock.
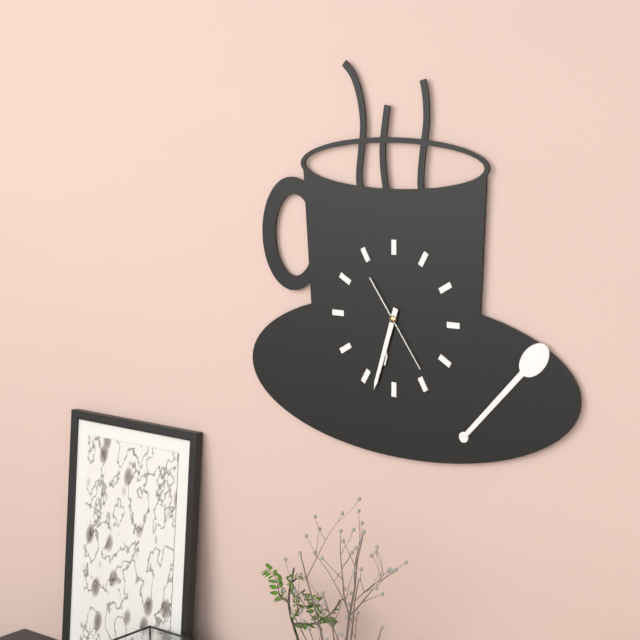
6:33:24
